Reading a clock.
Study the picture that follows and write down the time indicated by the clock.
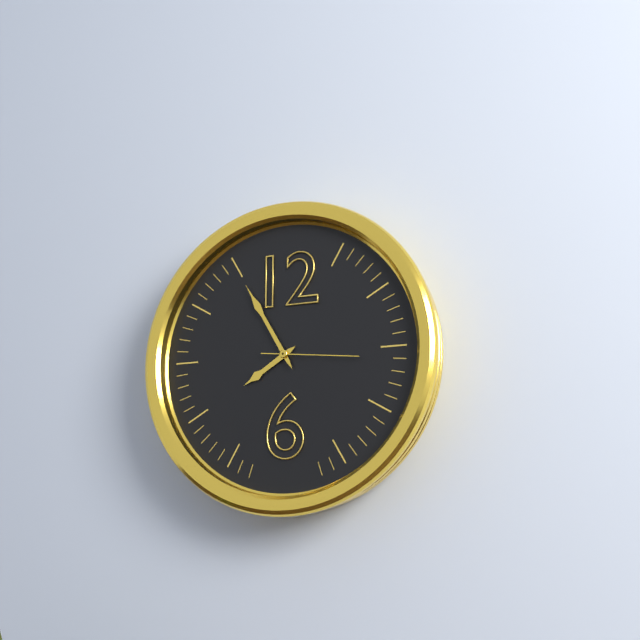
7:55:16
